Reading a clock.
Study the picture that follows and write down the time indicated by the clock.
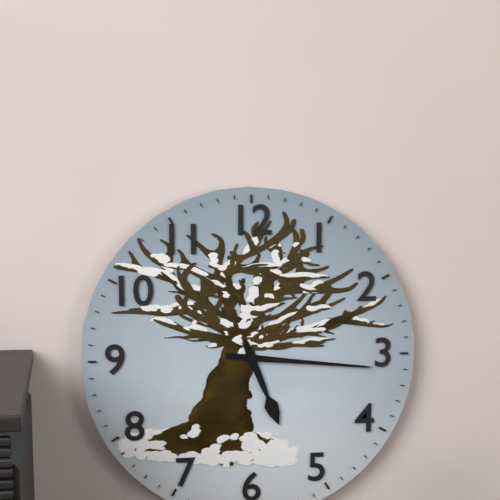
5:16
